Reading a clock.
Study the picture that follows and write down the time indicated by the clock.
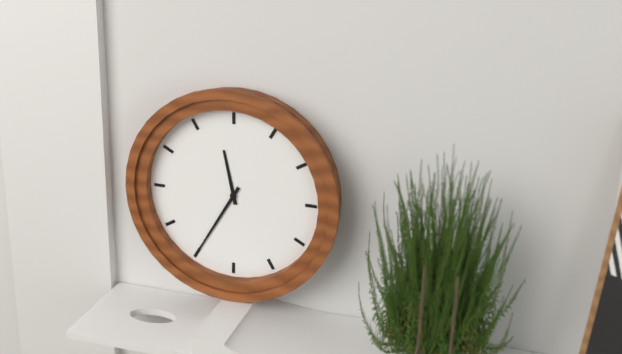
11:35
